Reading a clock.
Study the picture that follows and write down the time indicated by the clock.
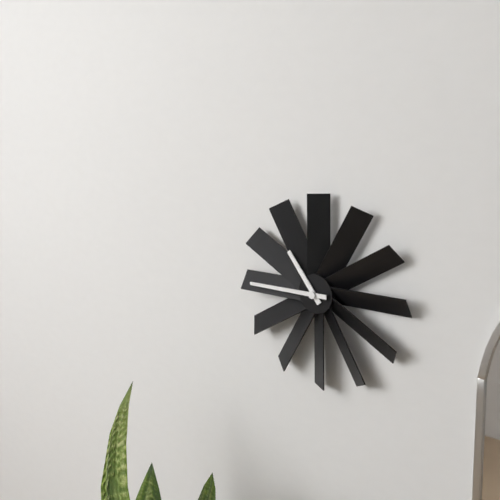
10:45
